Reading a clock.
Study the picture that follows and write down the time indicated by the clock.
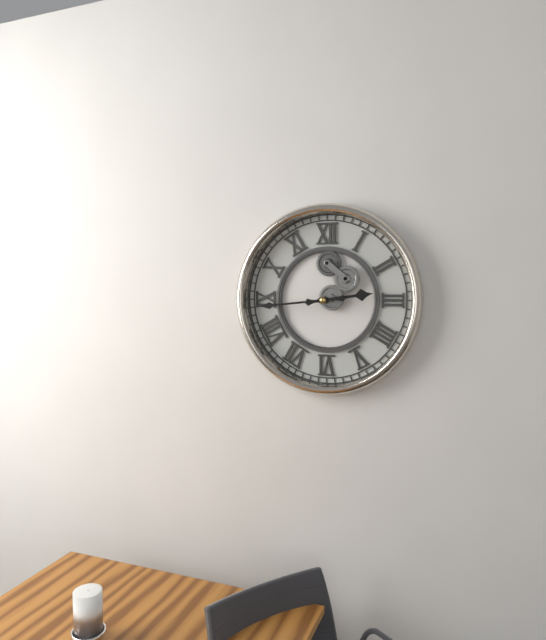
2:44
